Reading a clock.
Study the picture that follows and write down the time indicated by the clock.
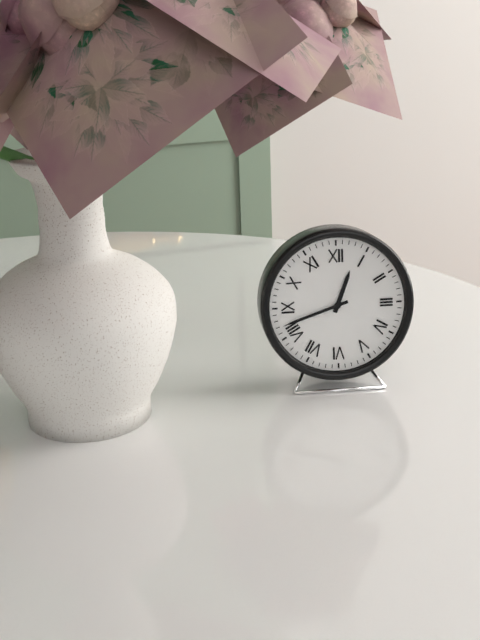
12:42
